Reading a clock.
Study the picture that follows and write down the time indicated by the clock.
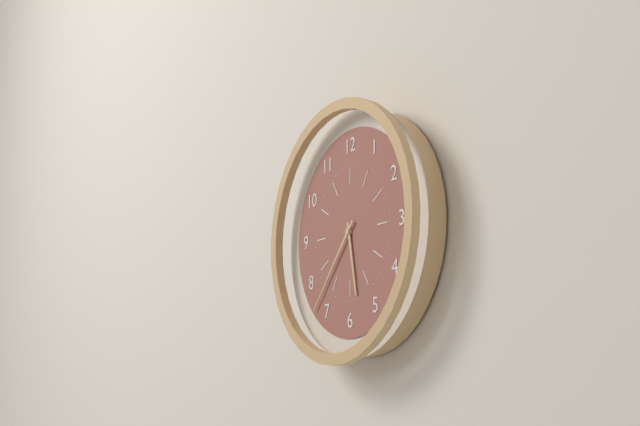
5:37
